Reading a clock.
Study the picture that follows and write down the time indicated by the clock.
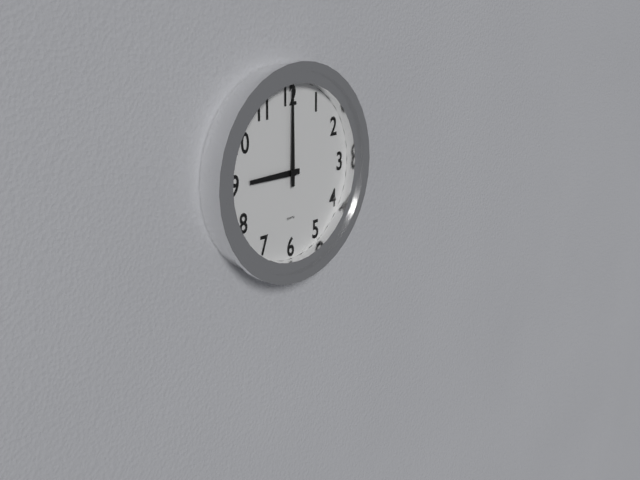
9:00
